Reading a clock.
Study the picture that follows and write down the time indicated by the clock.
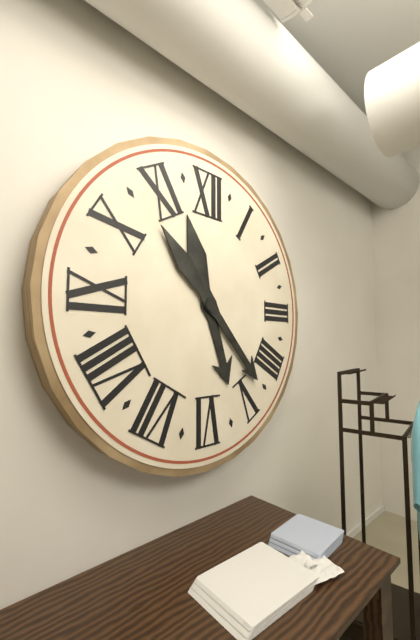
5:23
